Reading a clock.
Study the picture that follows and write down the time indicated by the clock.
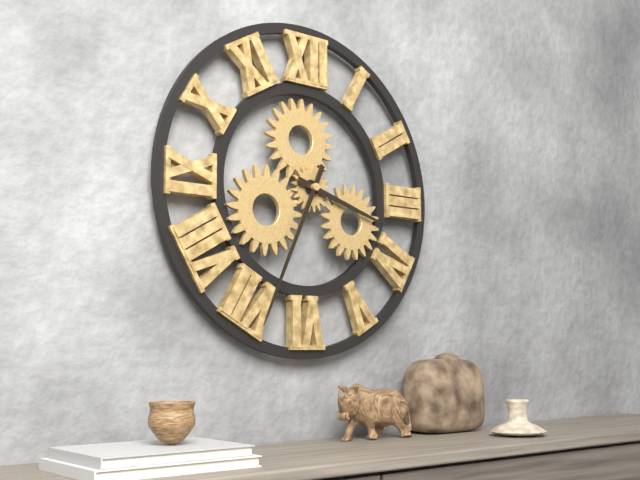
3:34
